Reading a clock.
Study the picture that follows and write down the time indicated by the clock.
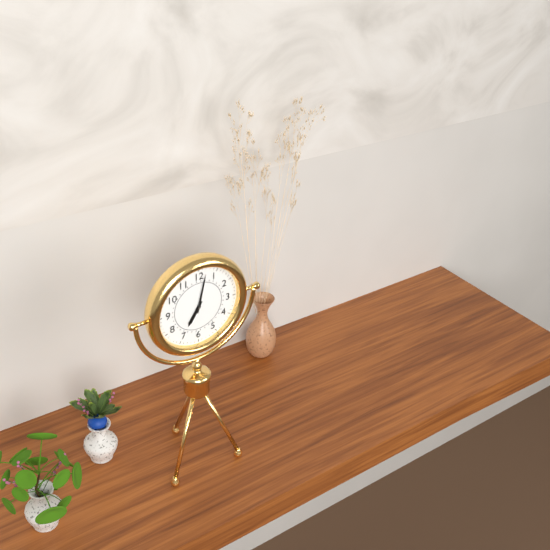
7:02
